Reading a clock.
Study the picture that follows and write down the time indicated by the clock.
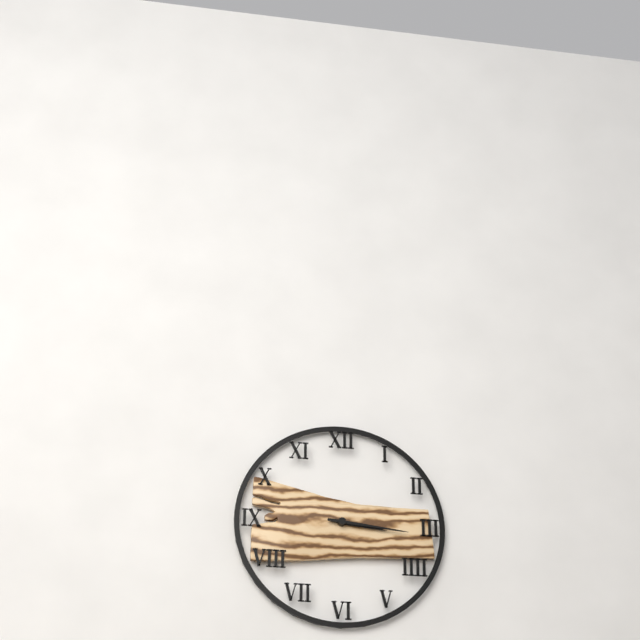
3:16
